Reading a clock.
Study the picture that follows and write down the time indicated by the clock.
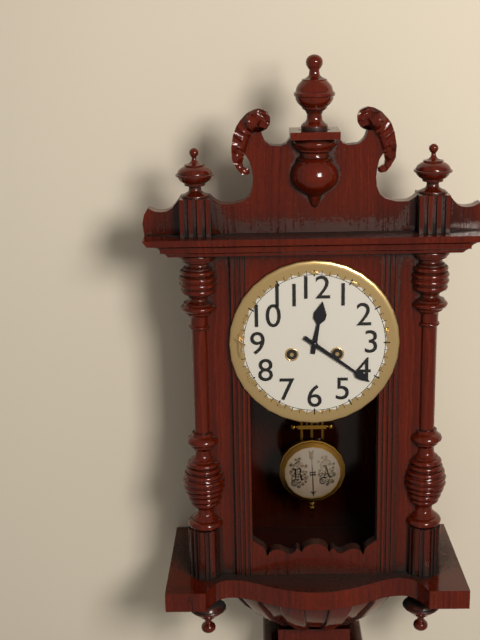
12:21
